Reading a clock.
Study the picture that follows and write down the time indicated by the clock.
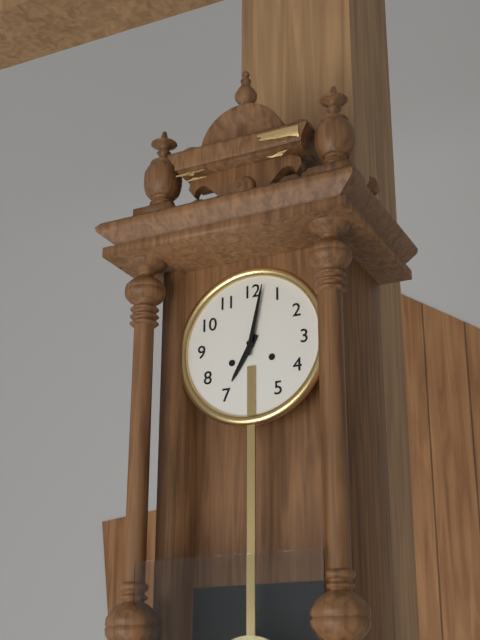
7:02
